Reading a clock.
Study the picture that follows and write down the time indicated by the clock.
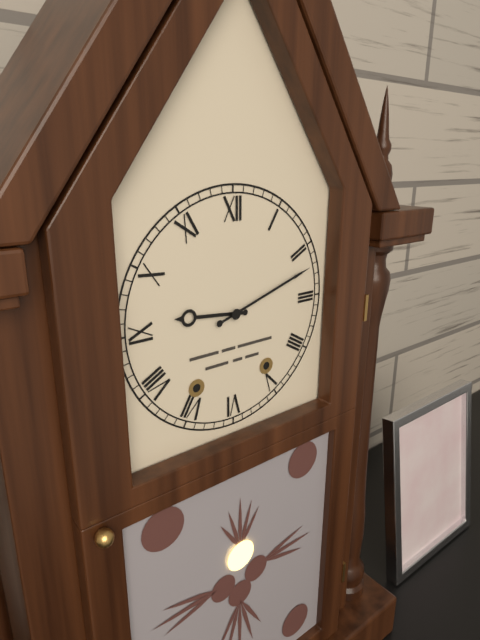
9:12
